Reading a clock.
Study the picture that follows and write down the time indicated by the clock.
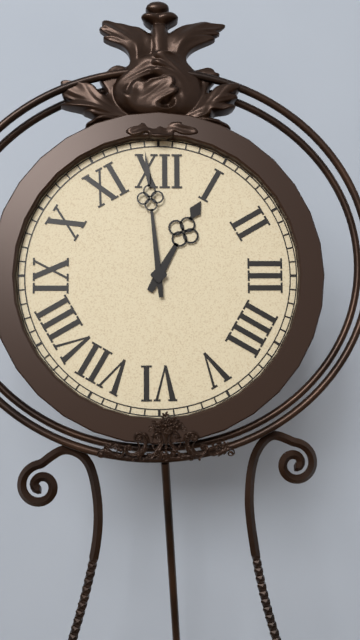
12:59
